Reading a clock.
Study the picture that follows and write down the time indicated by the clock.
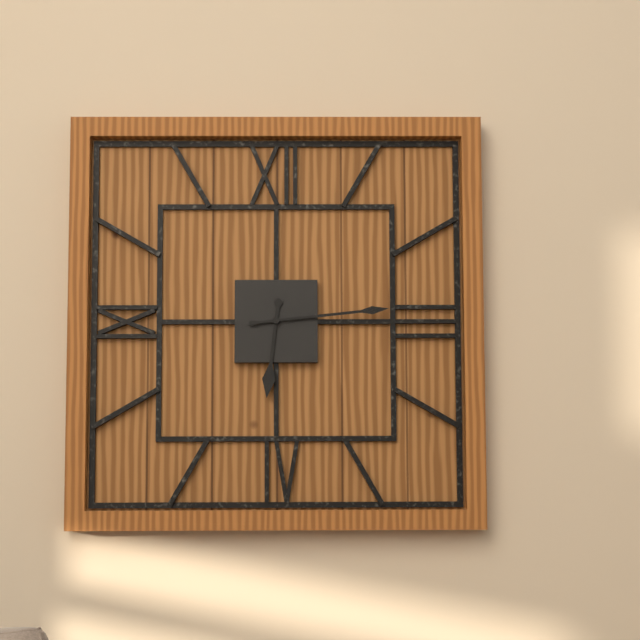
6:14
